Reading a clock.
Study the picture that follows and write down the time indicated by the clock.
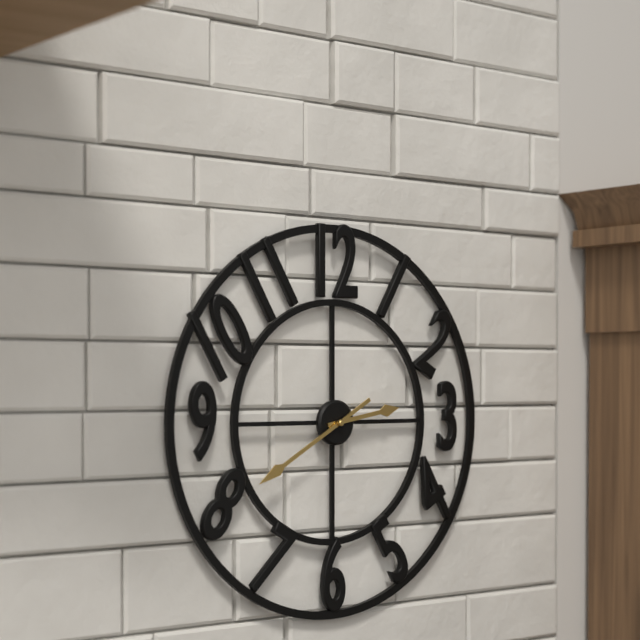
2:40
